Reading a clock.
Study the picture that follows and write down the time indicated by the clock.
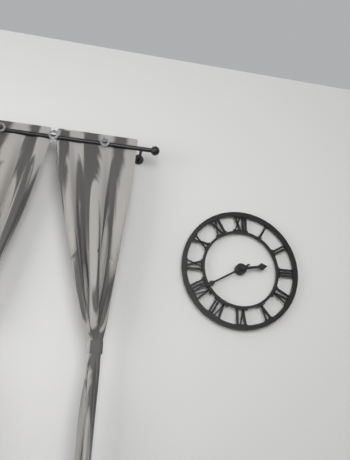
2:40
